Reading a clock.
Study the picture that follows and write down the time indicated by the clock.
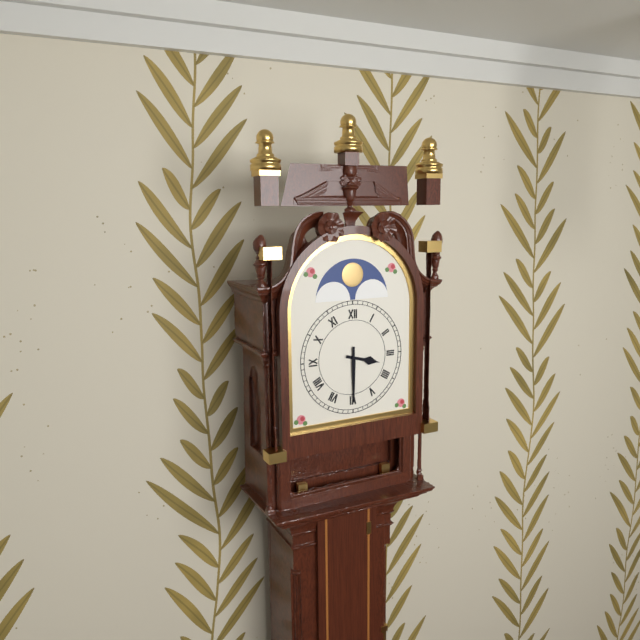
3:30
